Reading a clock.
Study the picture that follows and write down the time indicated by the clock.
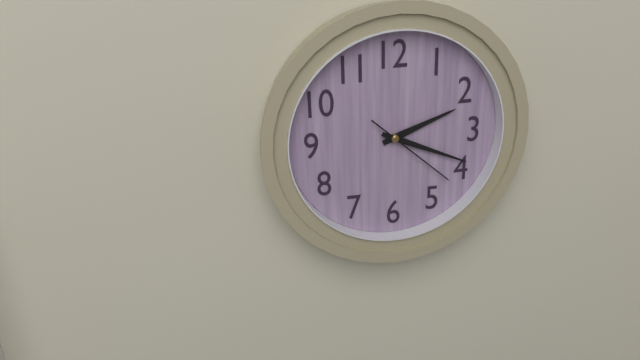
2:19:22
